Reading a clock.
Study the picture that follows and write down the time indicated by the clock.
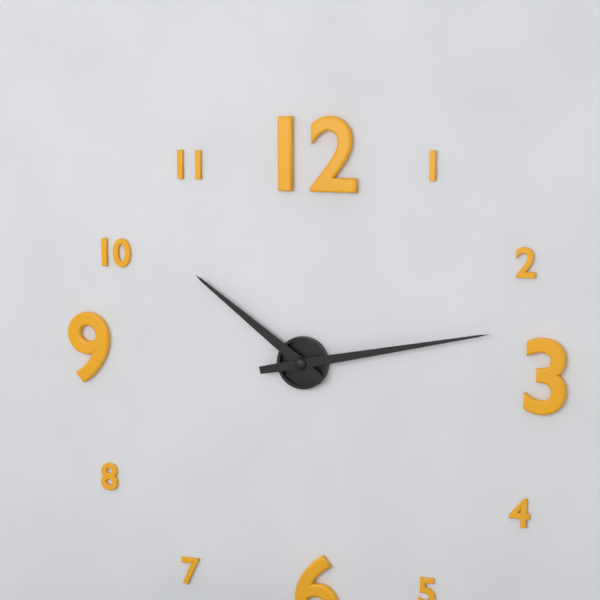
10:13
